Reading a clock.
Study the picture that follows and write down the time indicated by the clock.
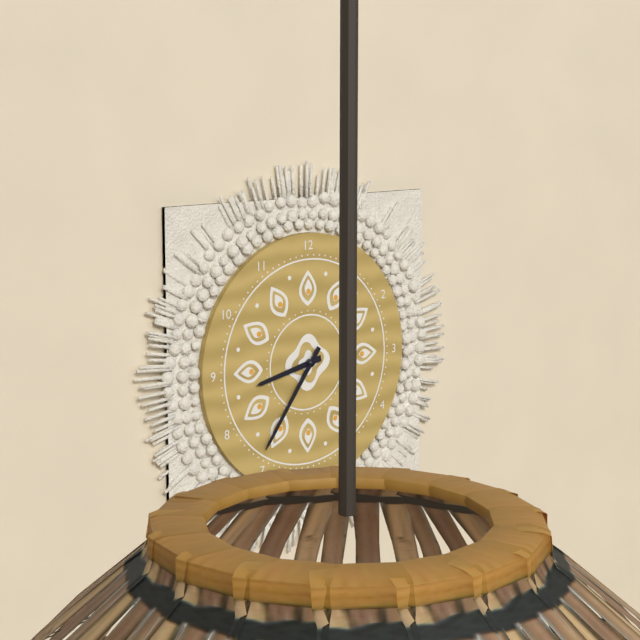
8:36
